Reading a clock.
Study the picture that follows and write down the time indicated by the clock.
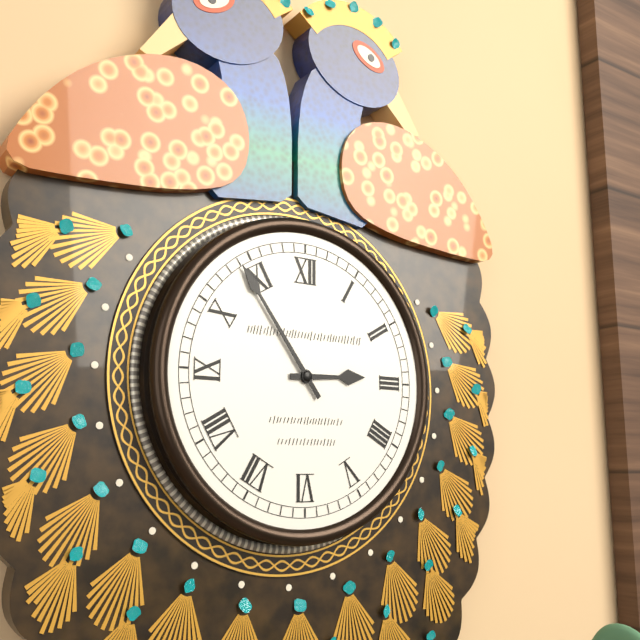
2:54
